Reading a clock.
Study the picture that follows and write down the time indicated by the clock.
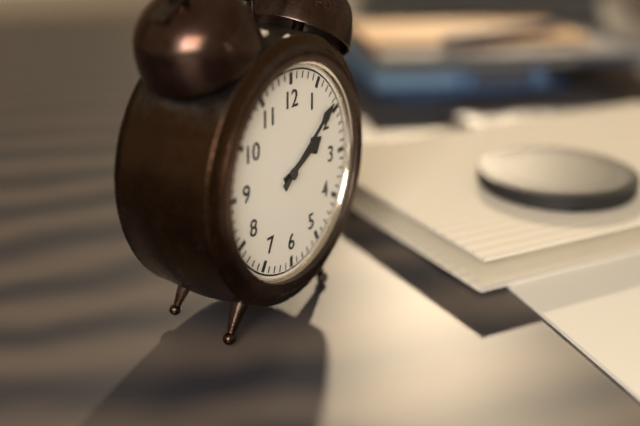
2:09
